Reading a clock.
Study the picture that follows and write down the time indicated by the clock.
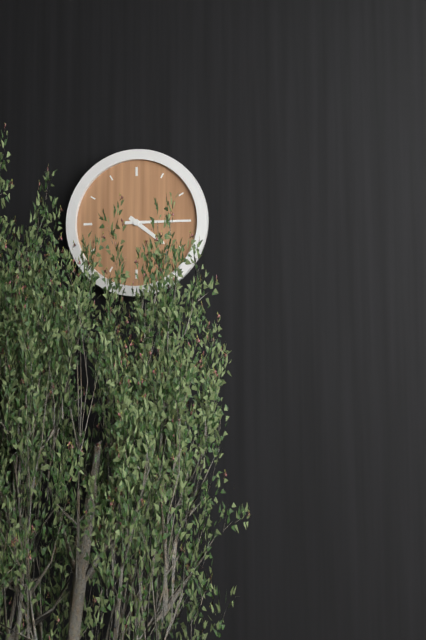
4:15
